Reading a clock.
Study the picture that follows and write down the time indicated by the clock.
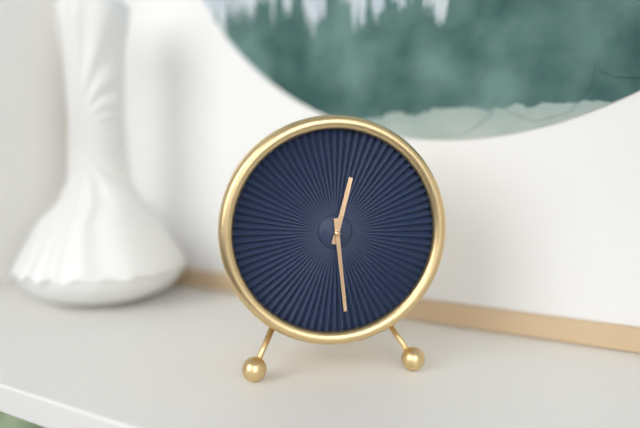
12:29
